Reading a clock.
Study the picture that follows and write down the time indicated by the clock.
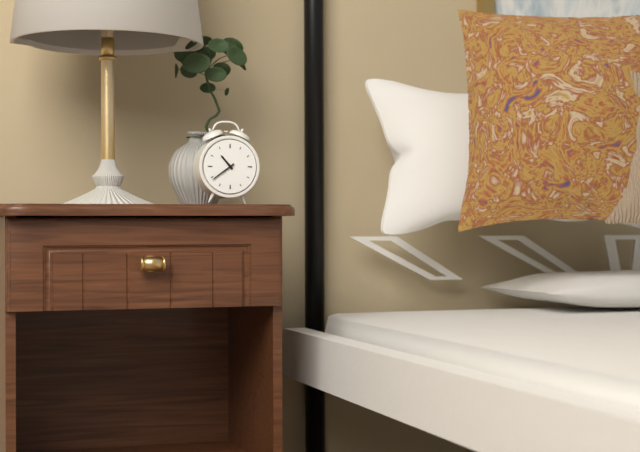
10:39
